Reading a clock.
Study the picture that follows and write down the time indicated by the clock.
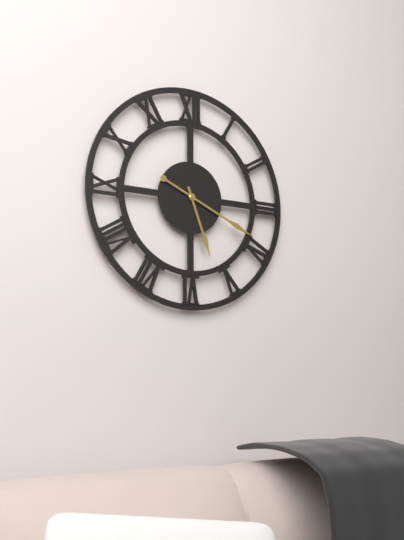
5:19
